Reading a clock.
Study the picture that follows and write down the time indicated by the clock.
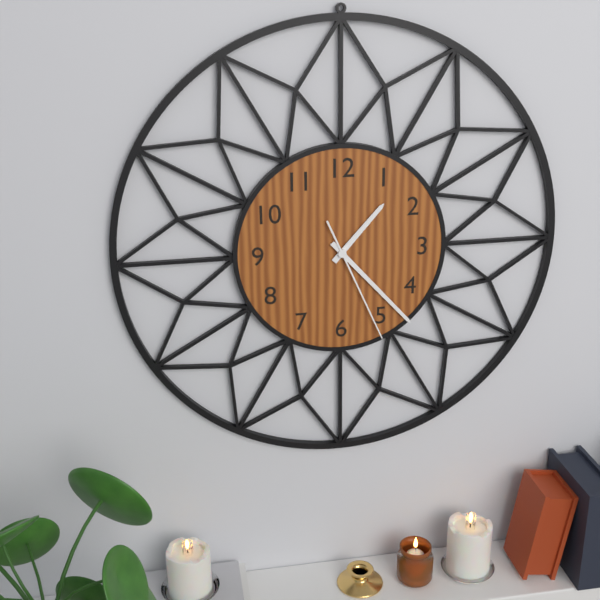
1:23:26
